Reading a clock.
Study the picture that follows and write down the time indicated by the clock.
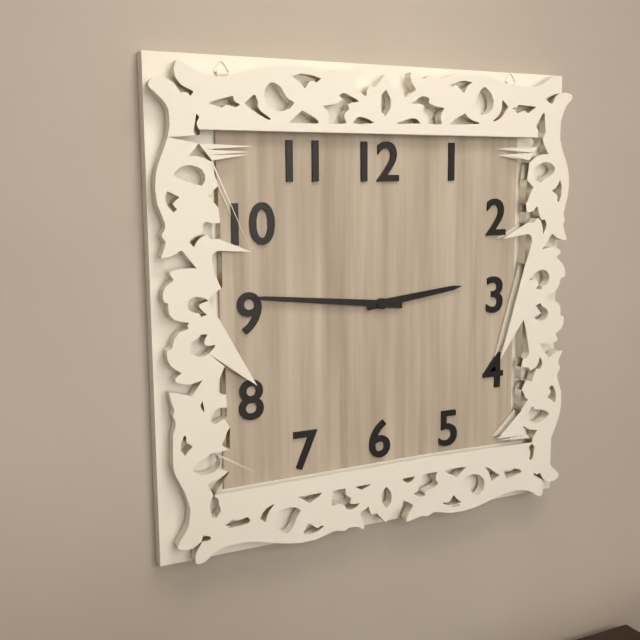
2:46
